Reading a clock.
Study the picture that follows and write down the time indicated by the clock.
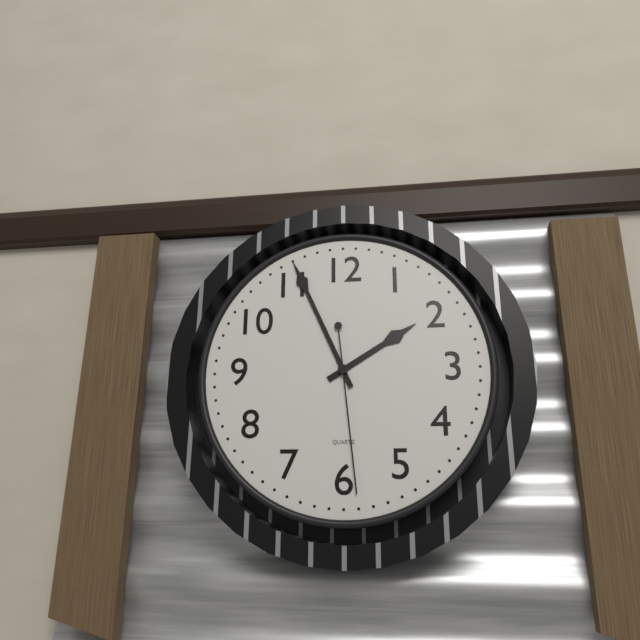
1:56:29
